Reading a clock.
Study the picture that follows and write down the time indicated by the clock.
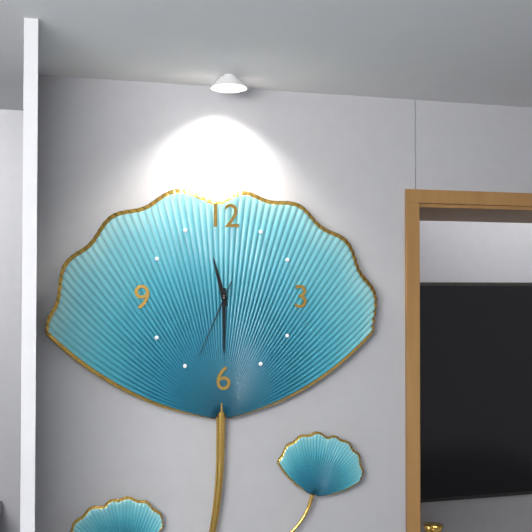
11:30:34
